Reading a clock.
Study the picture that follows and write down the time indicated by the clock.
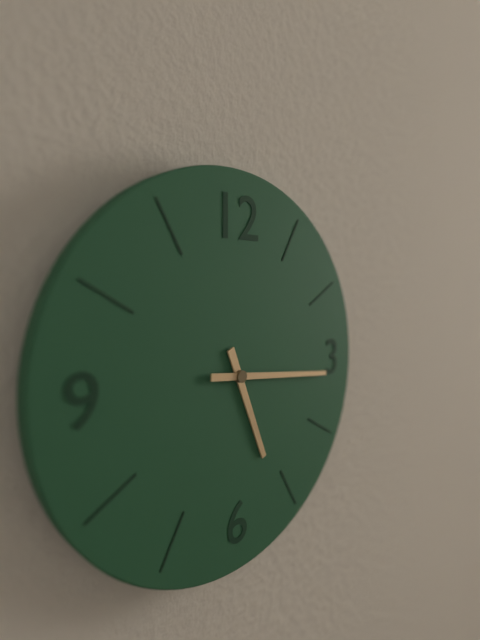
5:16
